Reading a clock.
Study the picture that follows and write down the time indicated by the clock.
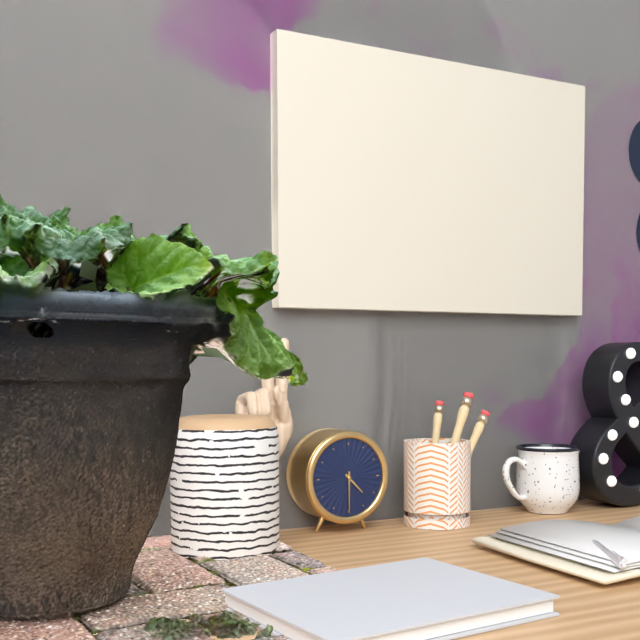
4:30
